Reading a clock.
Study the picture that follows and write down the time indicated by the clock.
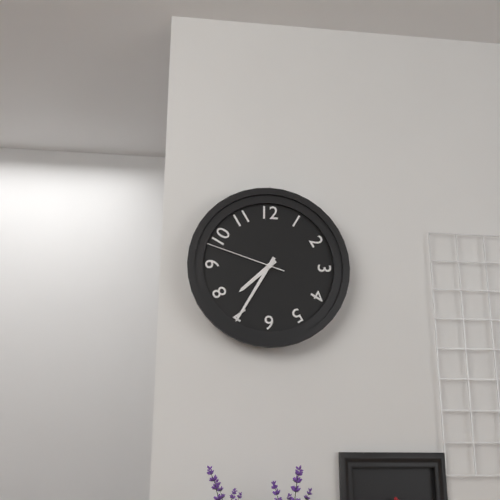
7:35:48
